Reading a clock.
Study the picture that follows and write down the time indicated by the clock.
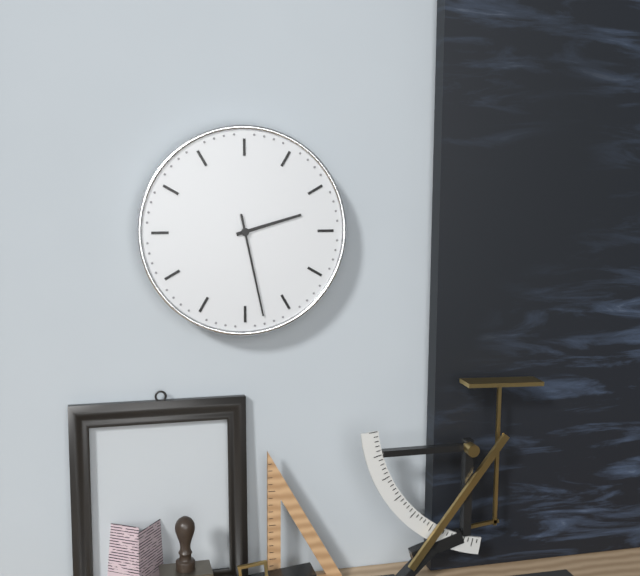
2:28
